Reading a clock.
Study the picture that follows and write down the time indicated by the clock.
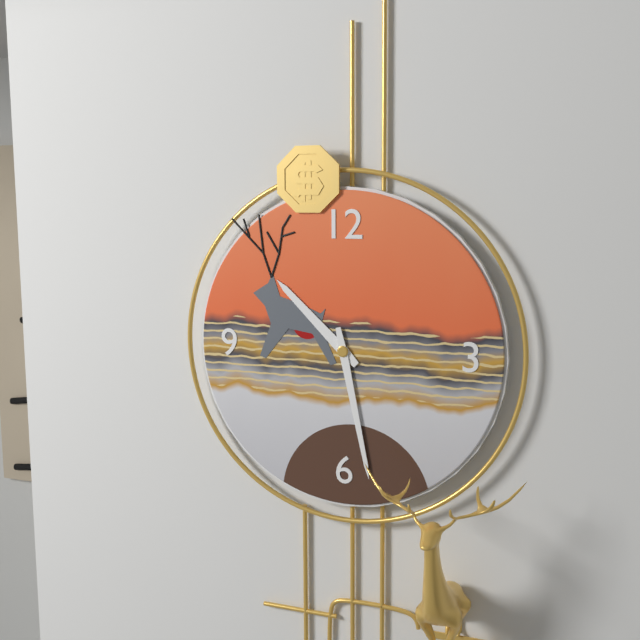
10:28
